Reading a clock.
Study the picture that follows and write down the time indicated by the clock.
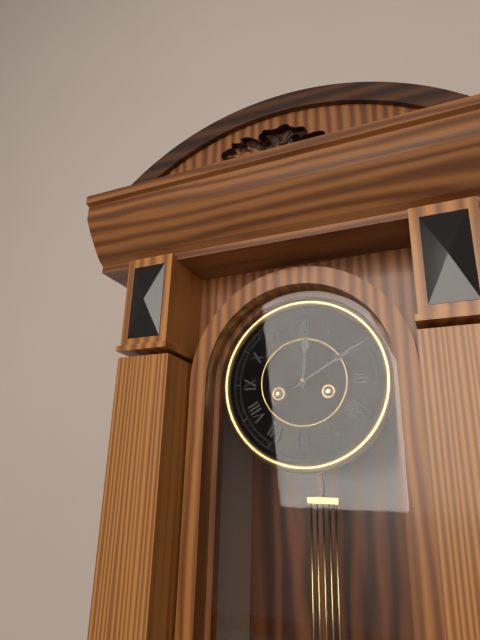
12:10
